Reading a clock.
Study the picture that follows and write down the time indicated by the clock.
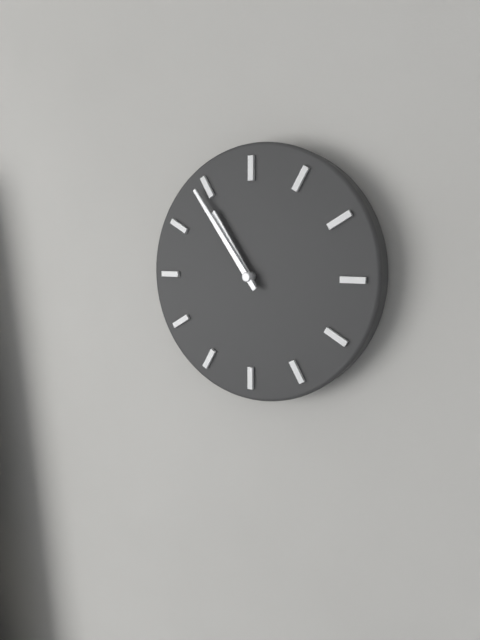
10:54
